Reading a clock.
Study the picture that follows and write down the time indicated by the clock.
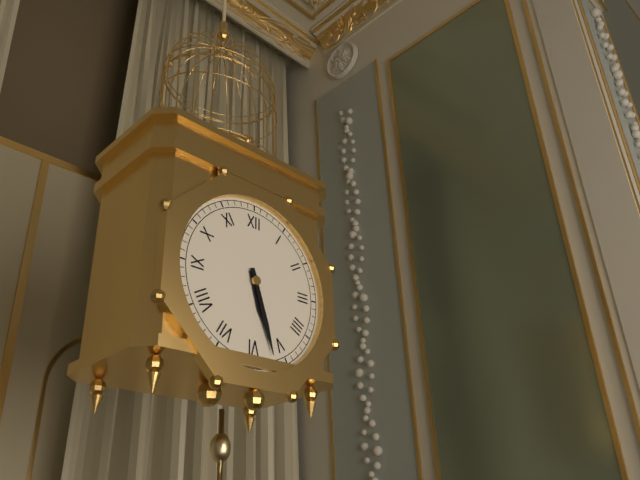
5:27
